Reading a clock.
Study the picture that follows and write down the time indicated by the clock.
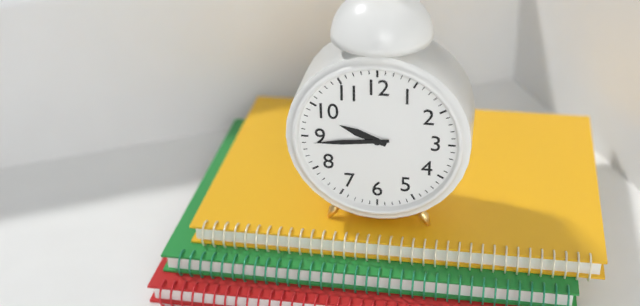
9:44
